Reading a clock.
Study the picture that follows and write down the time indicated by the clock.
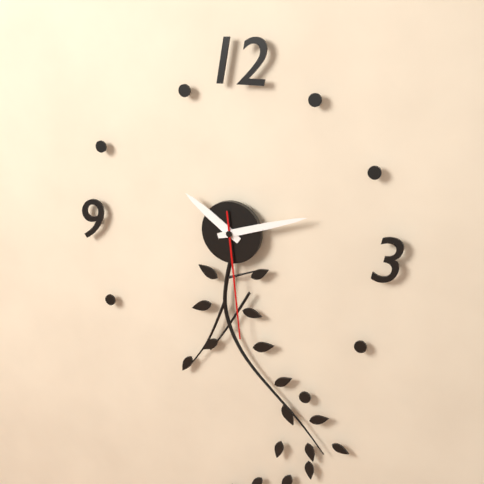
10:12:29
